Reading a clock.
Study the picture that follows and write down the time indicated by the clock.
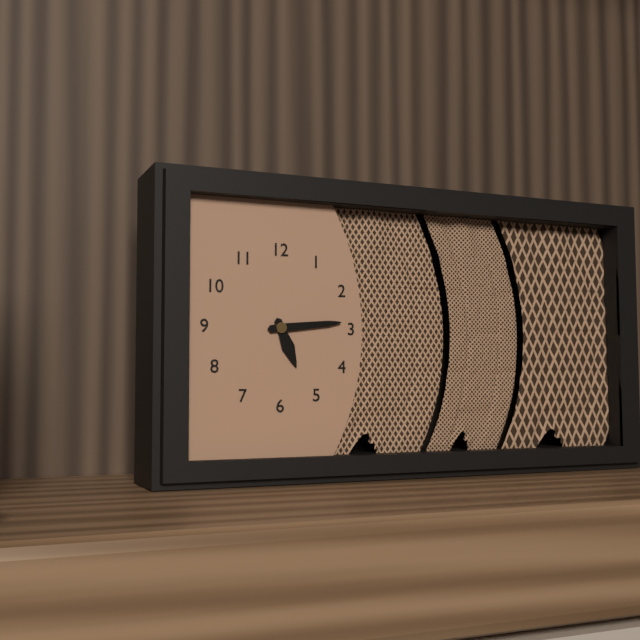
5:14
